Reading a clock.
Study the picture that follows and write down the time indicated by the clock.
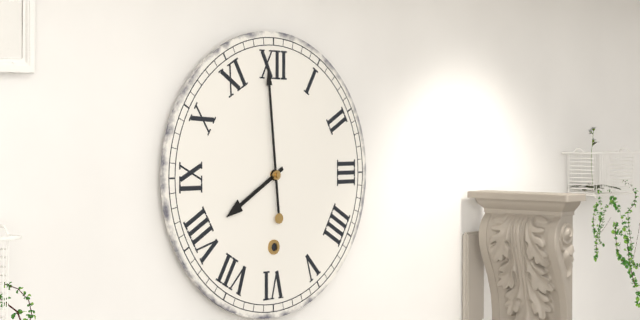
7:59
